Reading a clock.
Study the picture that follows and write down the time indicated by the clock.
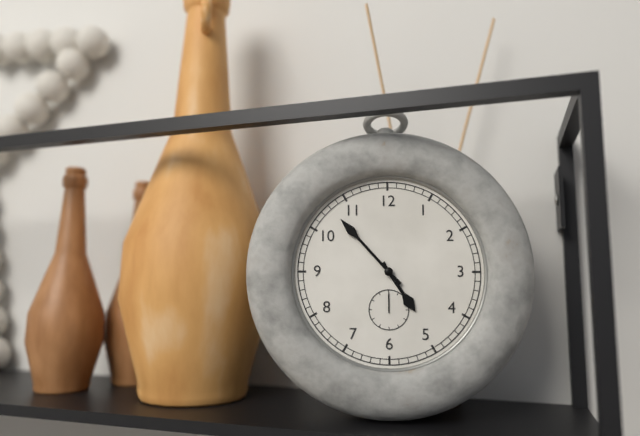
4:53
